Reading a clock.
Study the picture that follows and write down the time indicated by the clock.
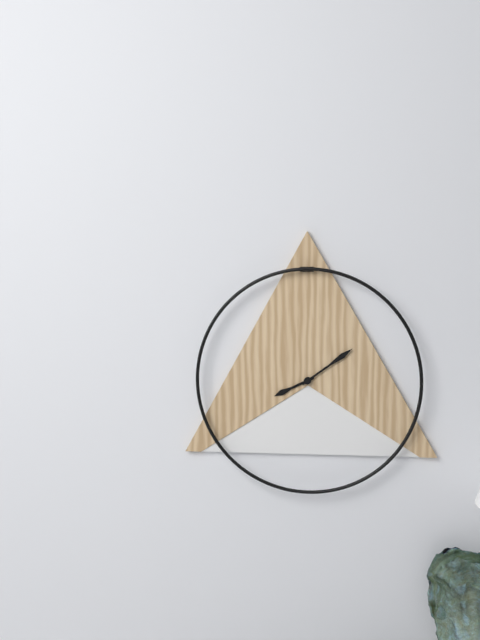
8:09
